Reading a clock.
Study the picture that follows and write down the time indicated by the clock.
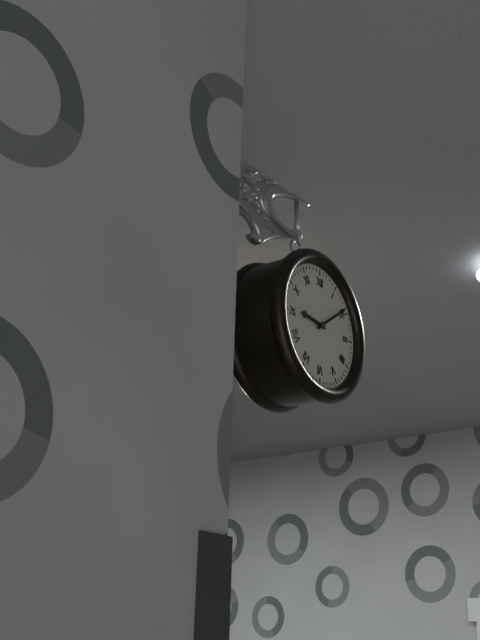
9:09
